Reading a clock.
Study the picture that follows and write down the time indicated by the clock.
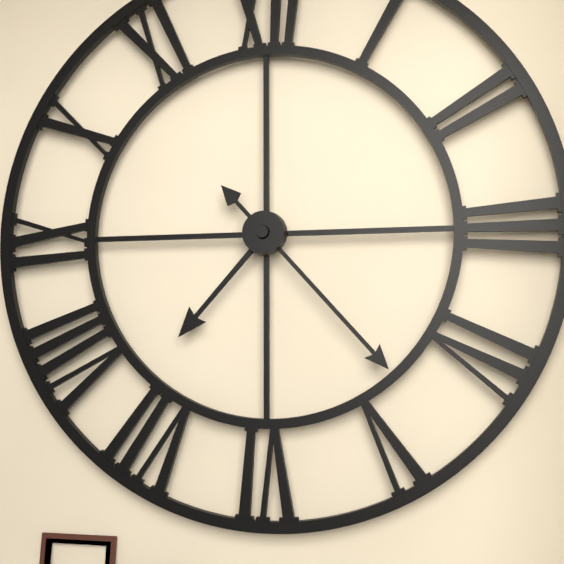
7:23
